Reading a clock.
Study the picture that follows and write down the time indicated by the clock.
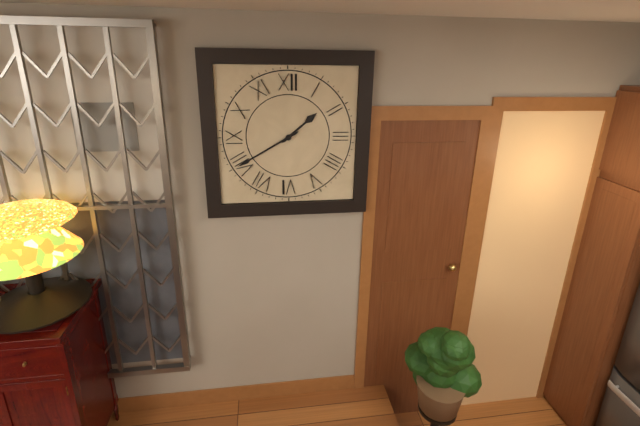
1:40
